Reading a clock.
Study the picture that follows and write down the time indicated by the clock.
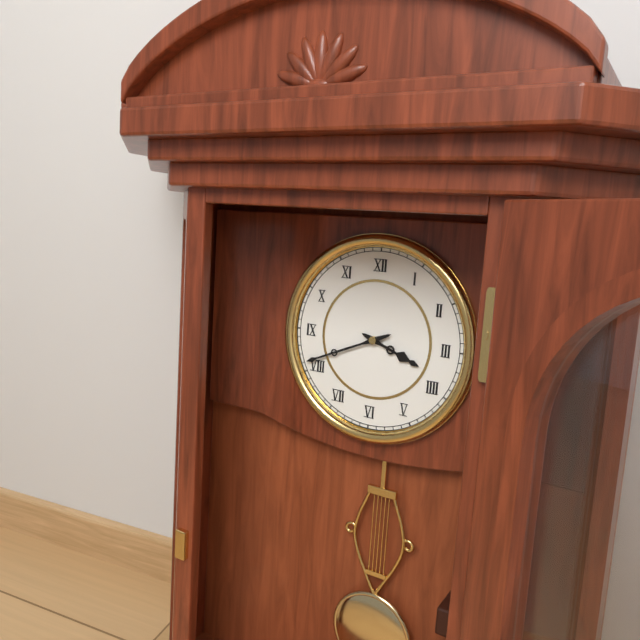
3:41
